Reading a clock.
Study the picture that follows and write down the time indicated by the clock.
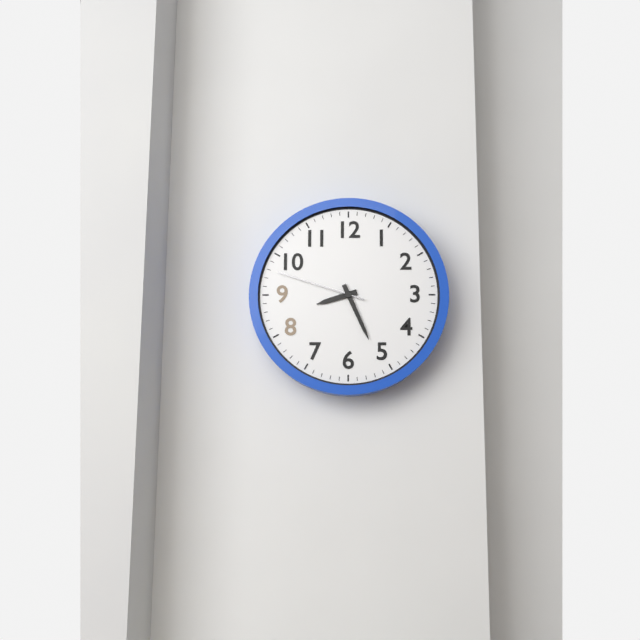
8:26:48
